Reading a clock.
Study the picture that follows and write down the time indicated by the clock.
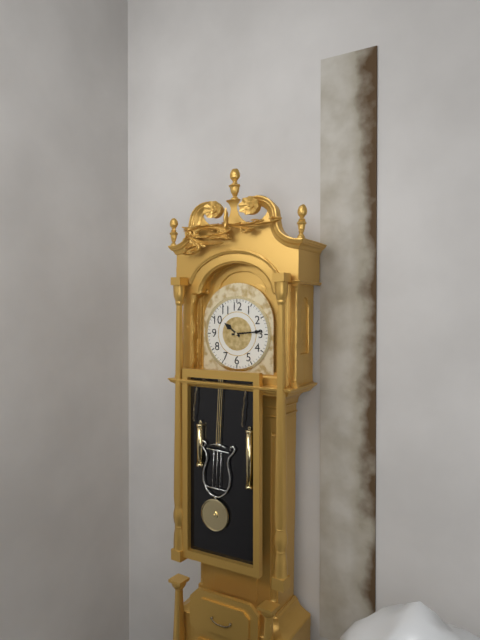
10:14
